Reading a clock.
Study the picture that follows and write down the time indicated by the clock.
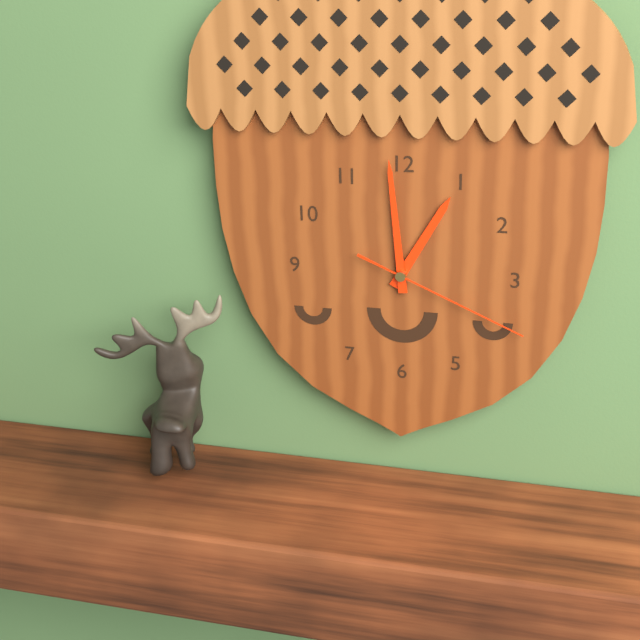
12:59:19
